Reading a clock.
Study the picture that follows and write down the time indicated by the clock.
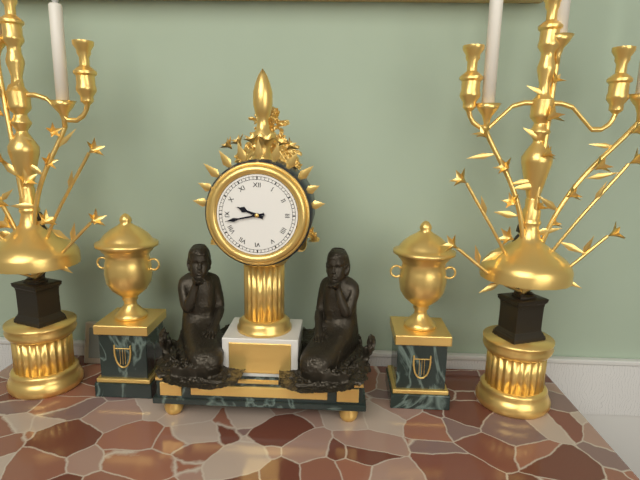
9:43
